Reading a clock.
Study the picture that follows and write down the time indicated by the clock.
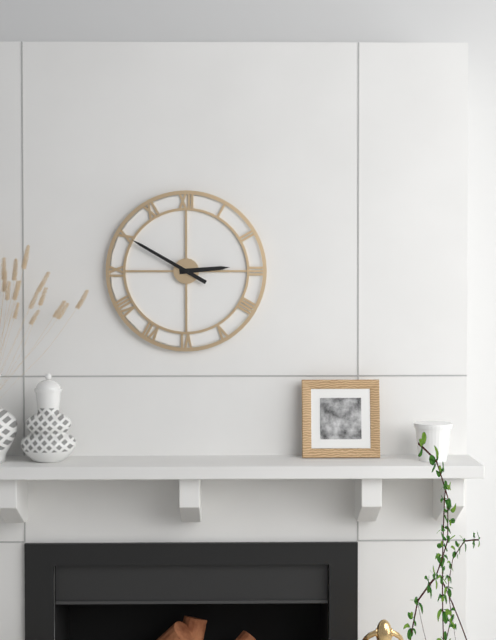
2:50
